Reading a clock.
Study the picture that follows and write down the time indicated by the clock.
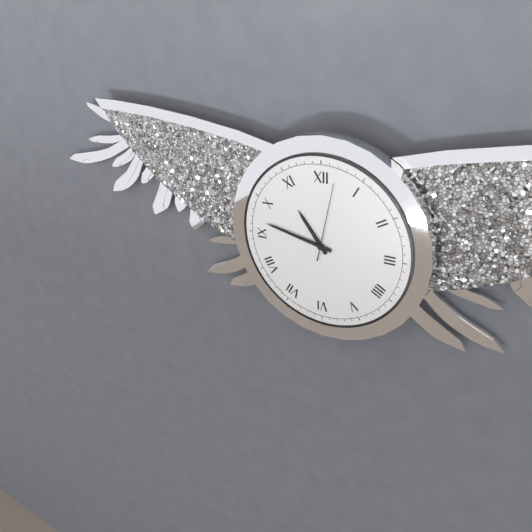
10:47:02
